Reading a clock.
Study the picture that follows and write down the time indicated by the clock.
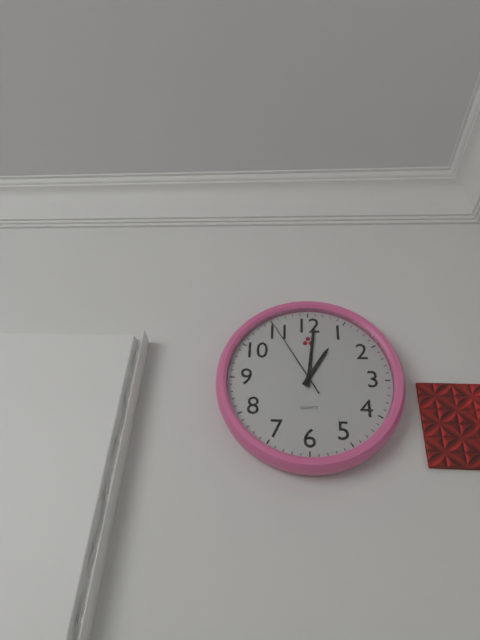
1:01:55
